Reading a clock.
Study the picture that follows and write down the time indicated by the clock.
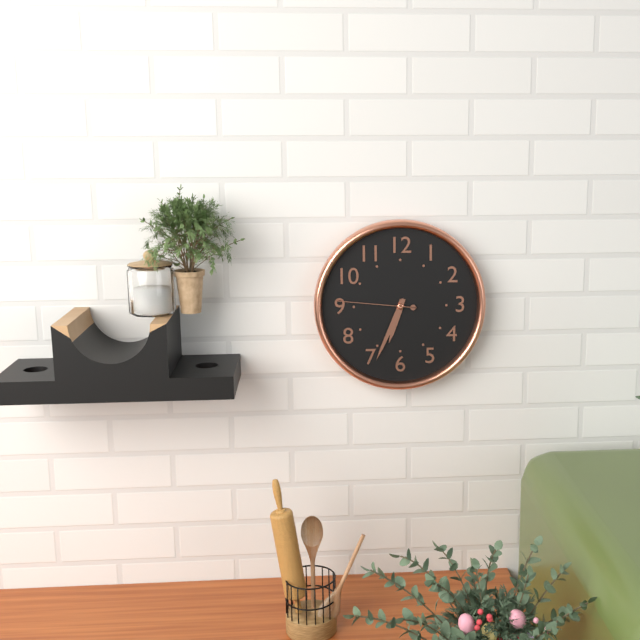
6:34:46
